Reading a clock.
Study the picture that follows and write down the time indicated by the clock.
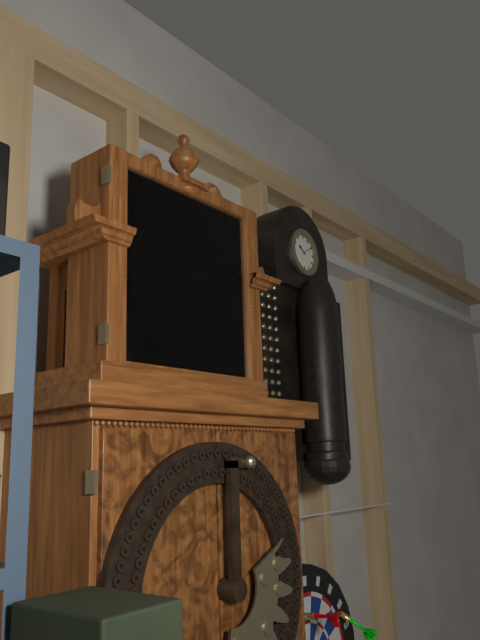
10:28
